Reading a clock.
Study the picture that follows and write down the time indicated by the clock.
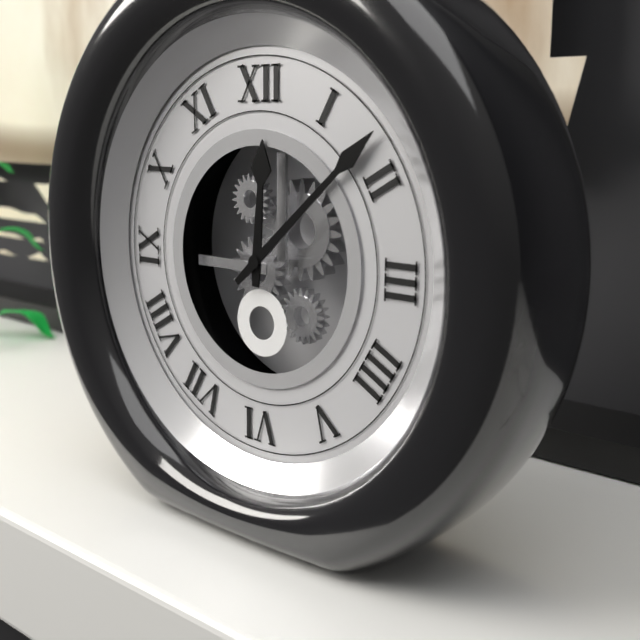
12:08
